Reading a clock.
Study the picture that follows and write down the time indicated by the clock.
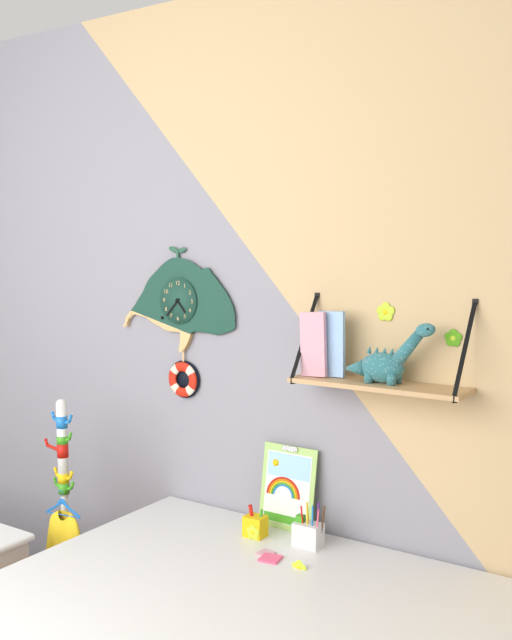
4:37
